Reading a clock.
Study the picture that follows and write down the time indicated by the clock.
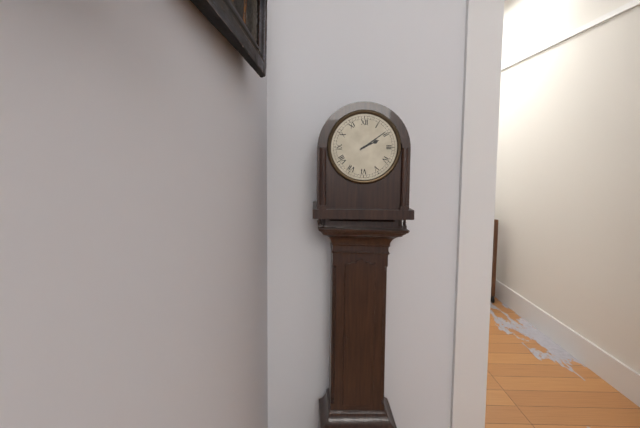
2:09
